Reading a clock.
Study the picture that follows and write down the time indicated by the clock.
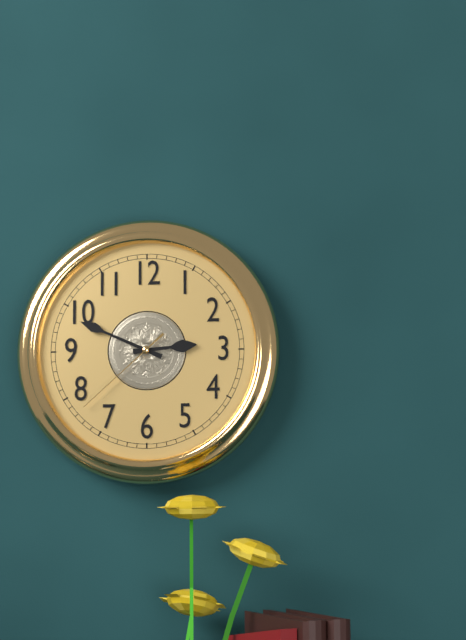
2:49:38
